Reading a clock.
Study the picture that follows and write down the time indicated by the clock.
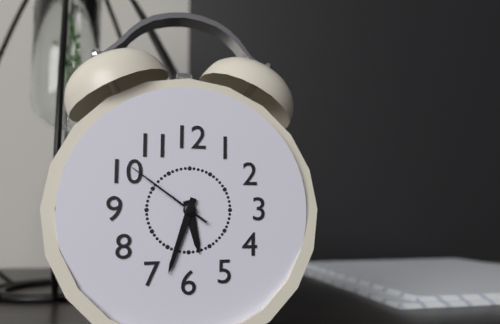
5:33:51
